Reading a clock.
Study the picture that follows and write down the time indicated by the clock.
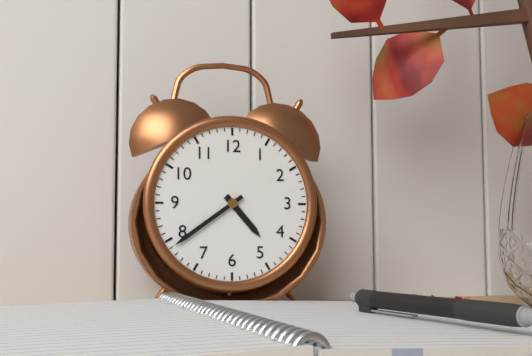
4:39
